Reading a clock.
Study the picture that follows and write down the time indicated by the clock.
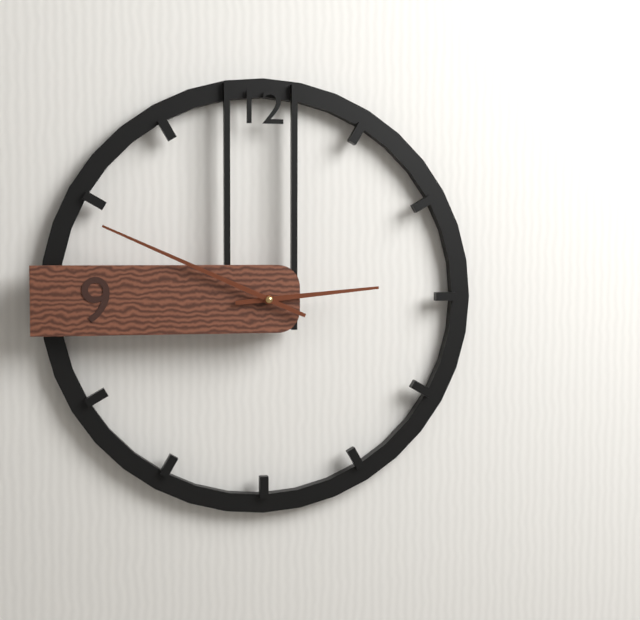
2:49
